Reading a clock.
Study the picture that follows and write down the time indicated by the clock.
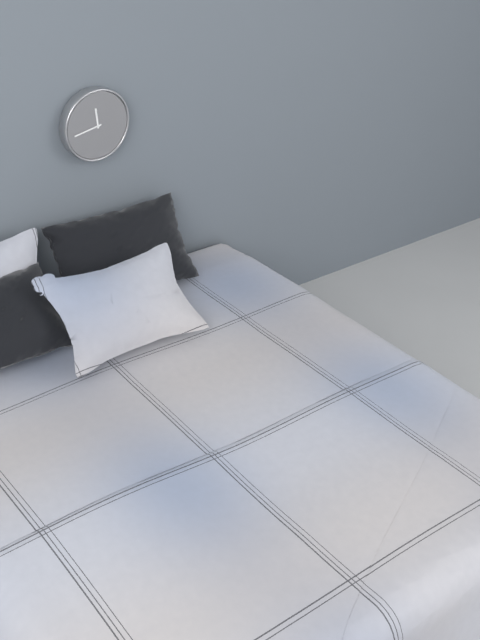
11:43
